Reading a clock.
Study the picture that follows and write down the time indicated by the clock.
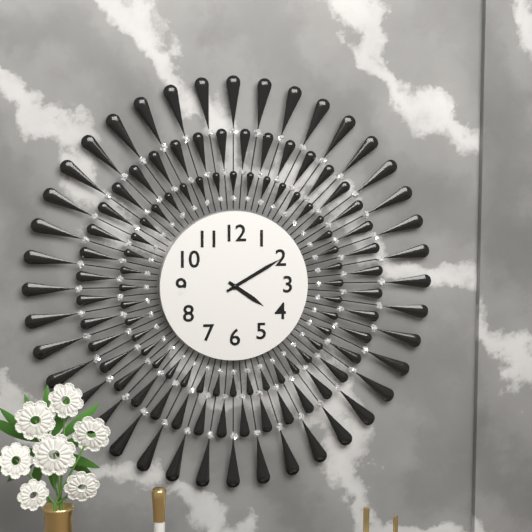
4:10
